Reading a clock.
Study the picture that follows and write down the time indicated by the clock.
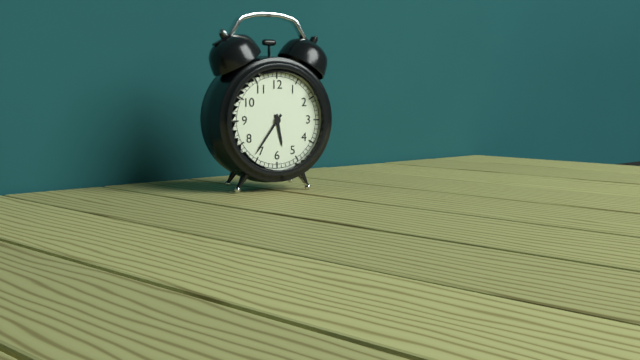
5:36
